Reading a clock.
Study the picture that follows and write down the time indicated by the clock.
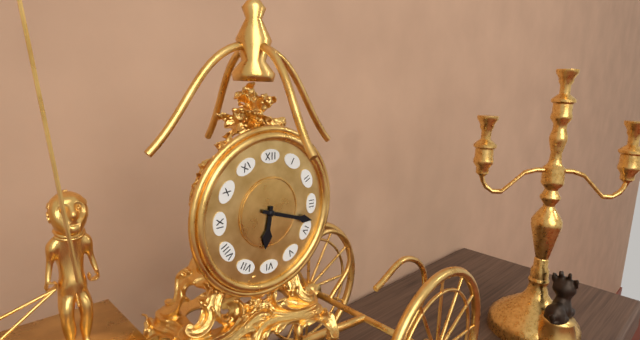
6:18
